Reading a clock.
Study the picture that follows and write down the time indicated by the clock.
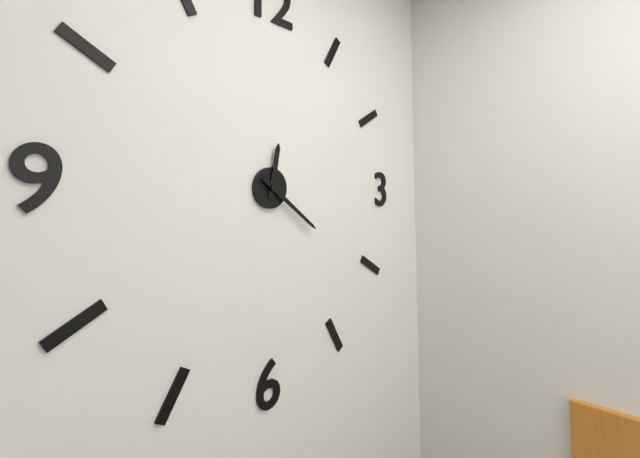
12:21
